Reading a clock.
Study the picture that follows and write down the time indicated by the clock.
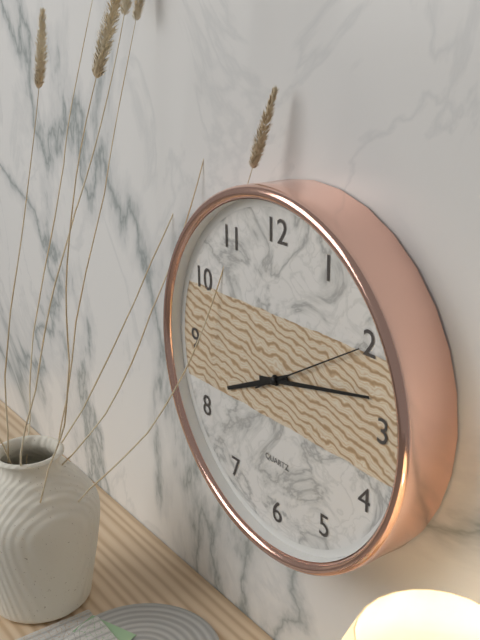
8:13:10
